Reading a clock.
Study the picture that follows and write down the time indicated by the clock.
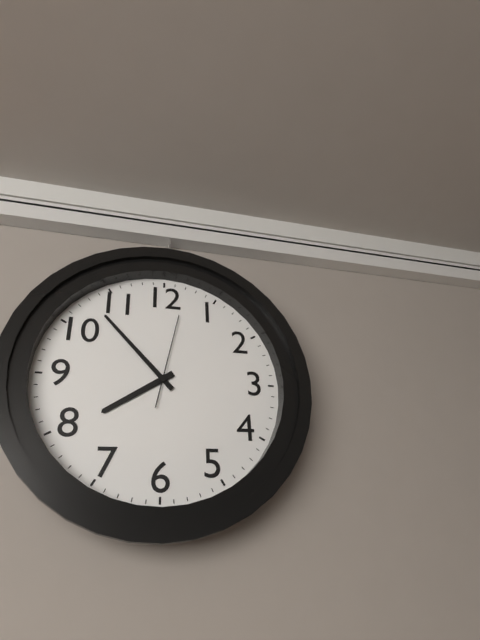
7:53:02
